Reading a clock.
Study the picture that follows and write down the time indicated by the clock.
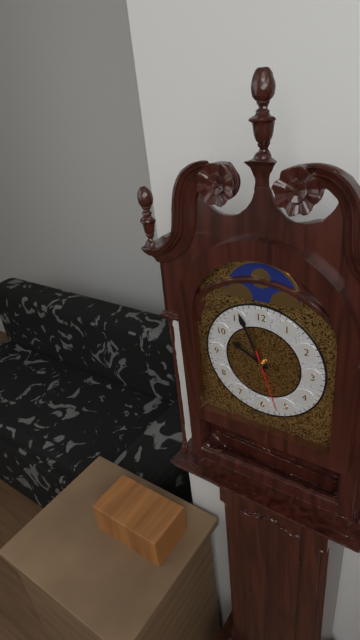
9:56:27
